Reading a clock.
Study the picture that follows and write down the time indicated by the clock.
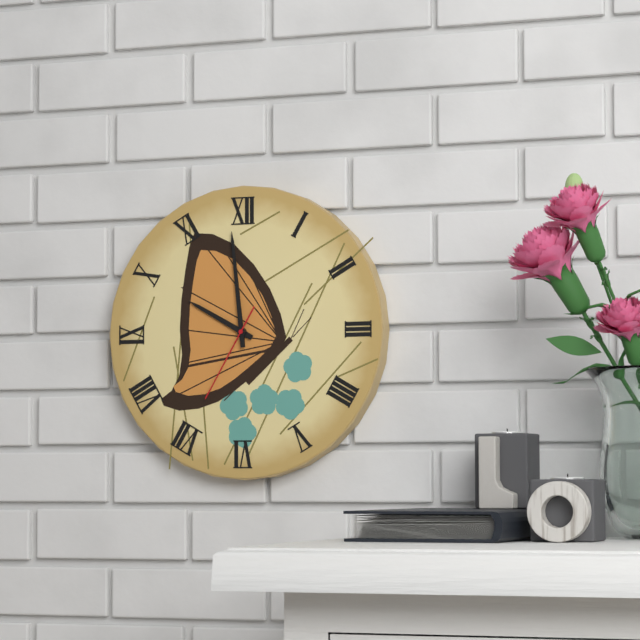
9:59:35
